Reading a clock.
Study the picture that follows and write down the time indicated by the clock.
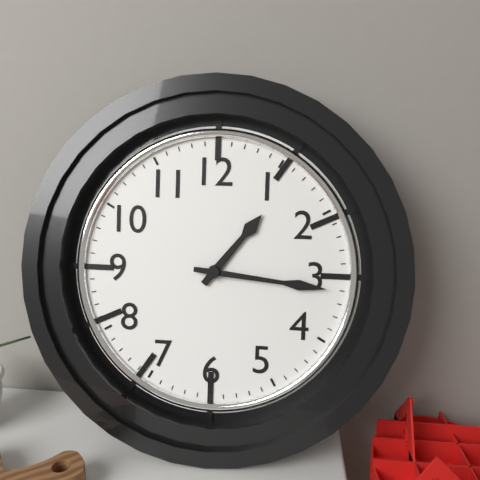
1:16
